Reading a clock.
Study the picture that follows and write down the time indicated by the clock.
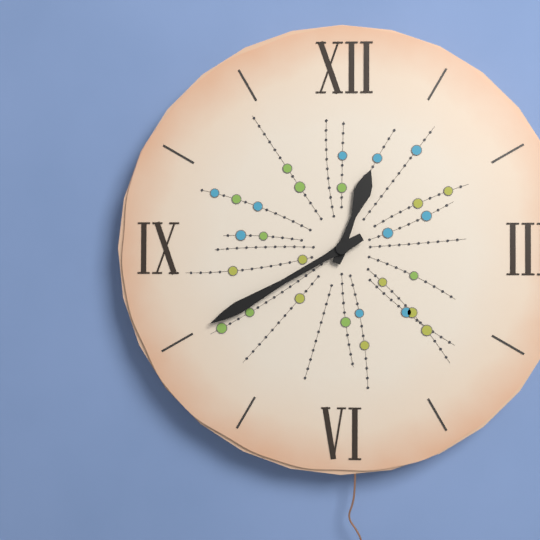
12:40
